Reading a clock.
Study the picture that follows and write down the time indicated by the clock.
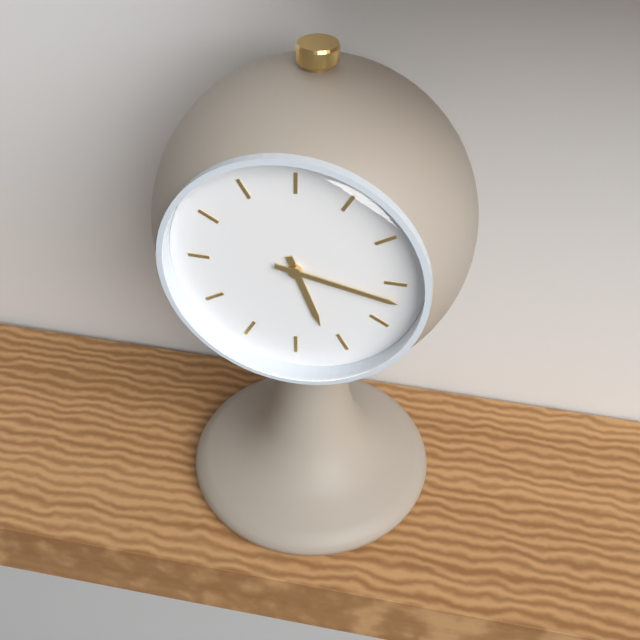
5:17
